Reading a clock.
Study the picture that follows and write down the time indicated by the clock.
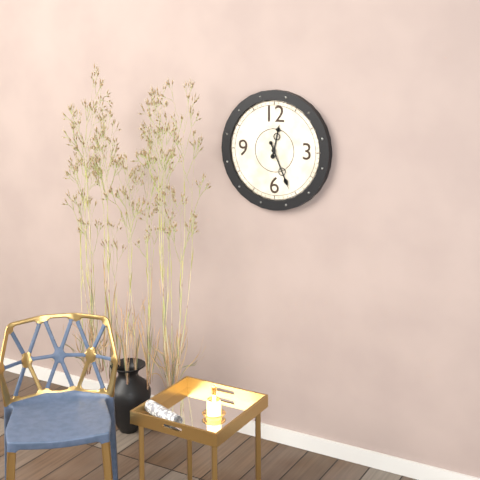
12:26
